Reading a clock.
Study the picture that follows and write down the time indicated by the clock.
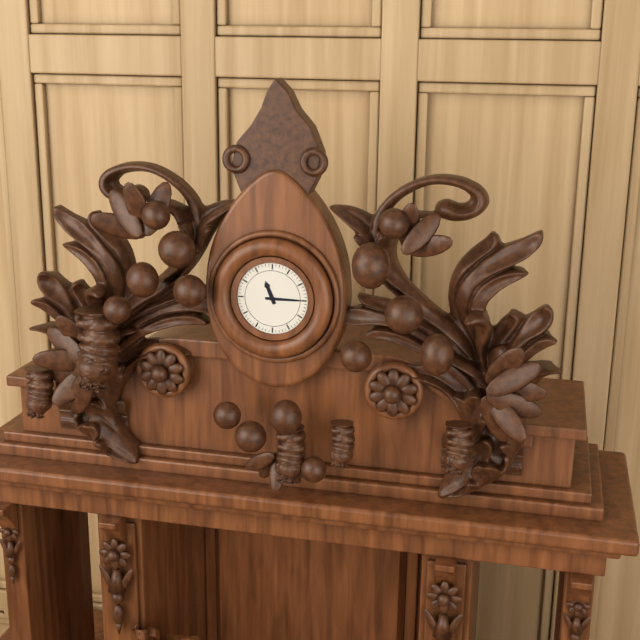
11:15
